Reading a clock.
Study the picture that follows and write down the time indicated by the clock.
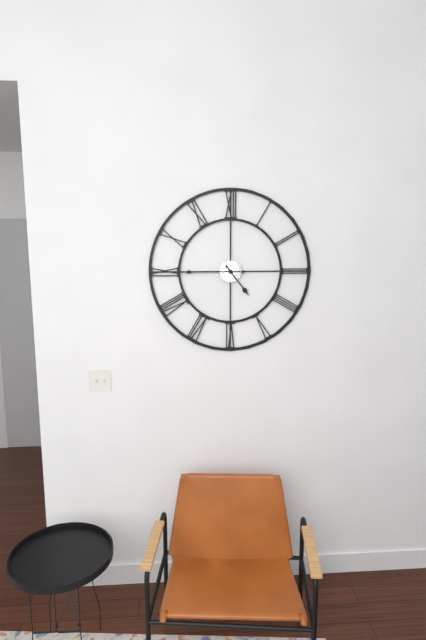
4:45
